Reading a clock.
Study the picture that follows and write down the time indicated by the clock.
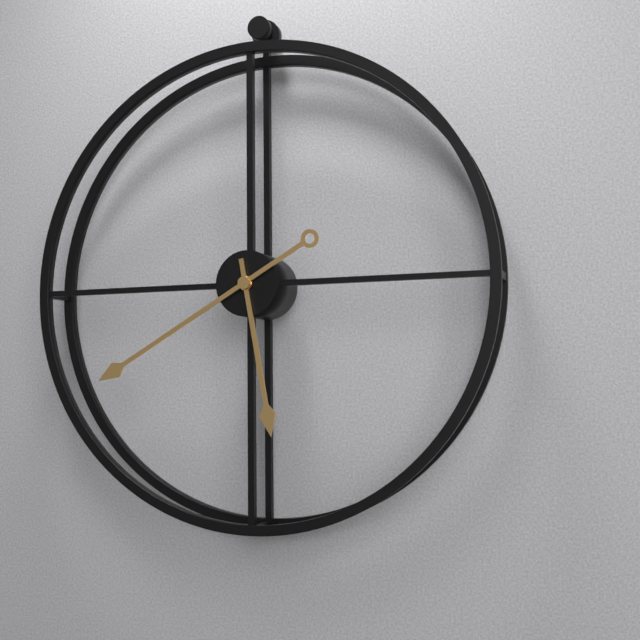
5:40
